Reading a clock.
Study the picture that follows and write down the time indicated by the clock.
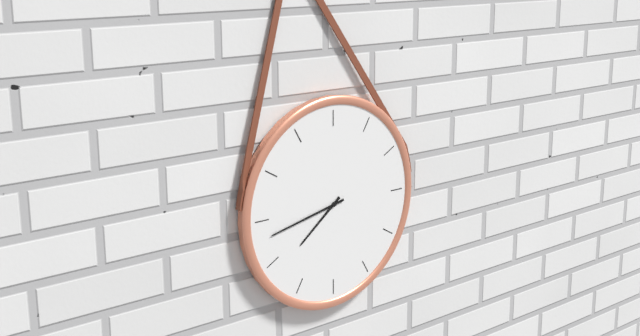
7:43
